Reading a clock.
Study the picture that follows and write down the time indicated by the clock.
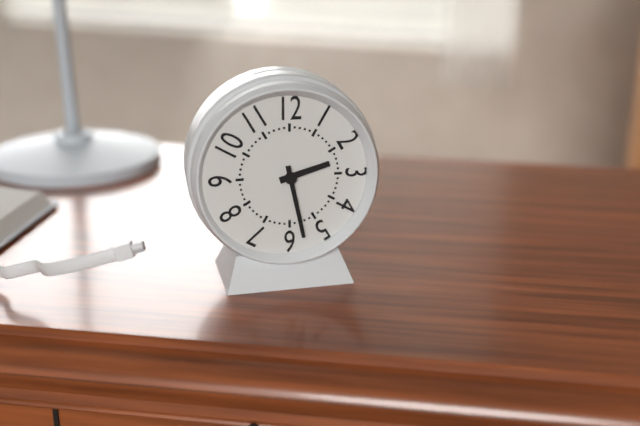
2:28
